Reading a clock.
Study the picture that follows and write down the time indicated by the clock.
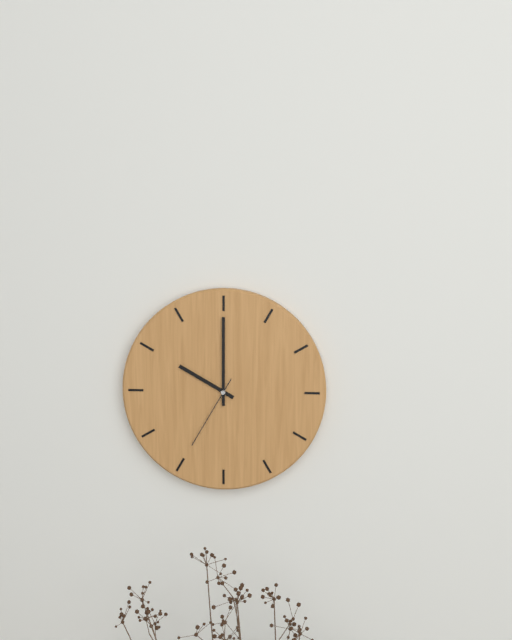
10:00:35
